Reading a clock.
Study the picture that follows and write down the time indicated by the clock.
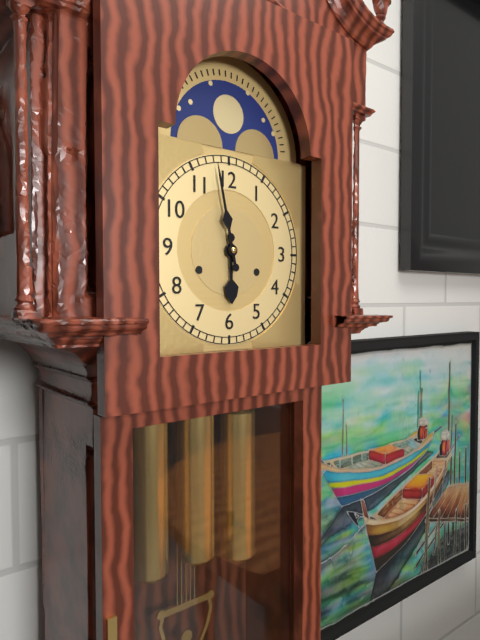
5:58
